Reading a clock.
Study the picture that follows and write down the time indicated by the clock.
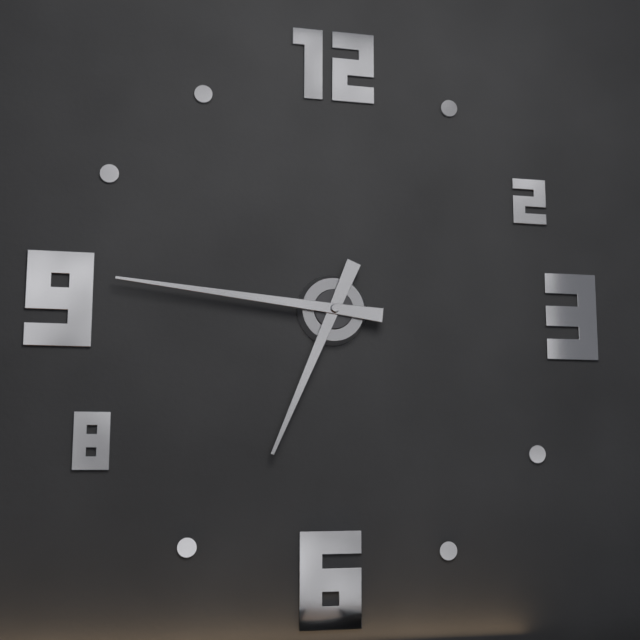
6:46
